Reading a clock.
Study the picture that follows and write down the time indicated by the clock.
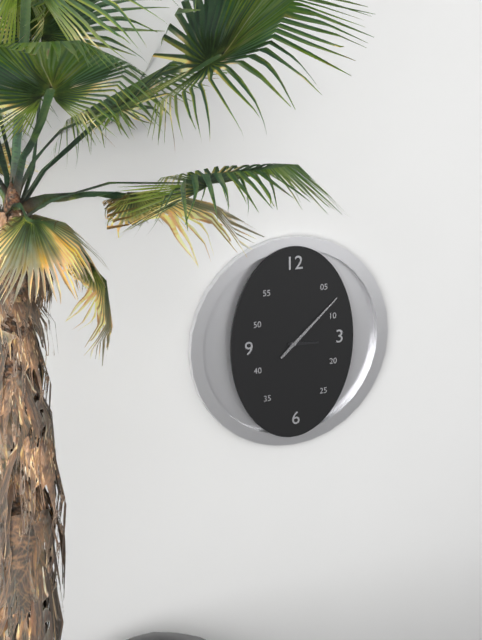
3:08
